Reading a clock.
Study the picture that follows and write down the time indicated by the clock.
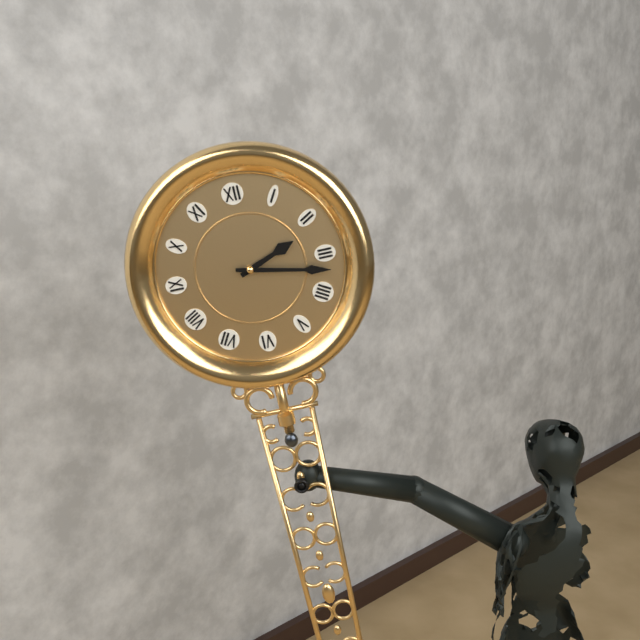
2:17
